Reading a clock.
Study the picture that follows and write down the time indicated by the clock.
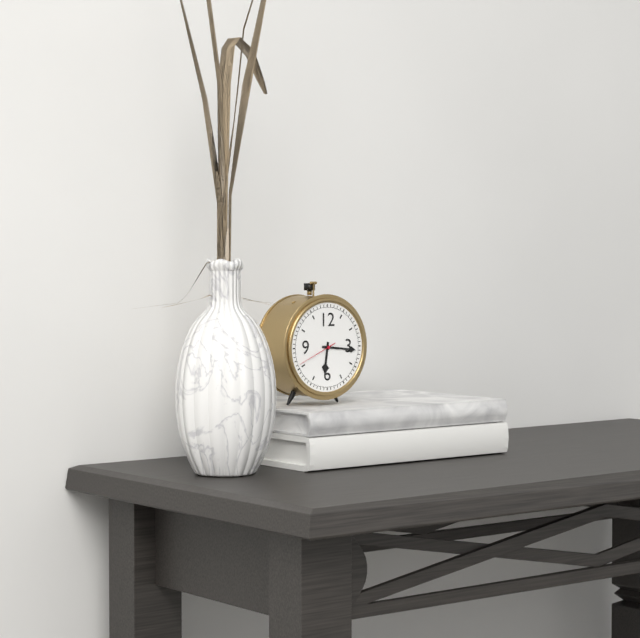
6:16
